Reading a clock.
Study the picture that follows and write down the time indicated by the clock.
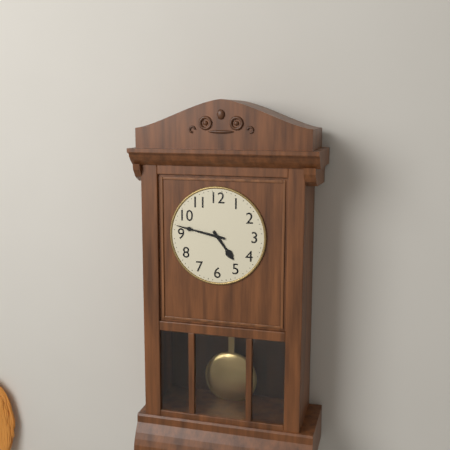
4:47
